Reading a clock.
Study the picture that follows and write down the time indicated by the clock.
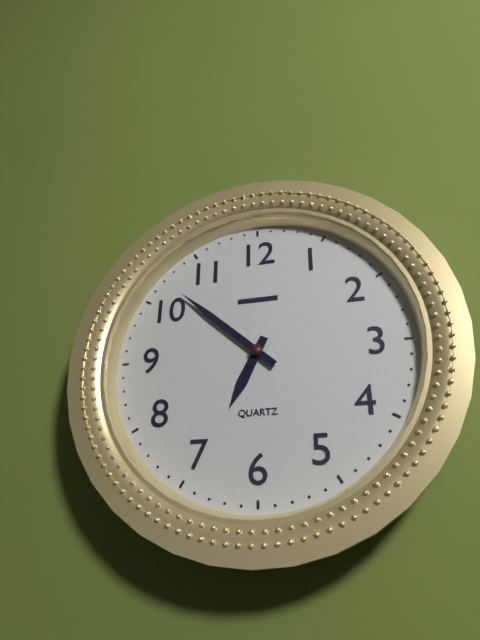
6:52
